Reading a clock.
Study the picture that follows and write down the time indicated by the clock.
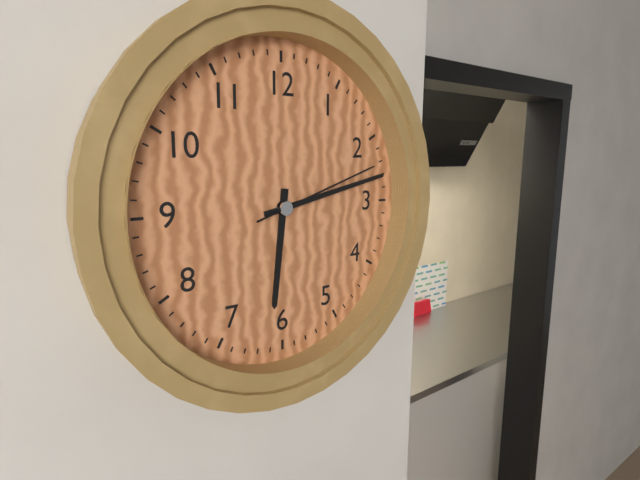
6:13:12
